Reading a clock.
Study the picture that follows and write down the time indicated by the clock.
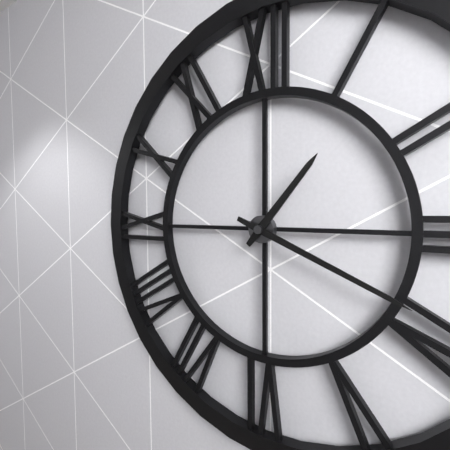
1:19
